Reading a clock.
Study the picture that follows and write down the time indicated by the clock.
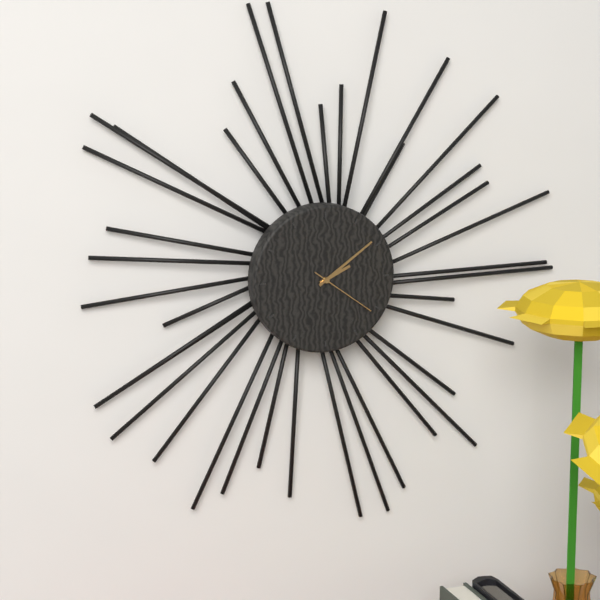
2:09:21
